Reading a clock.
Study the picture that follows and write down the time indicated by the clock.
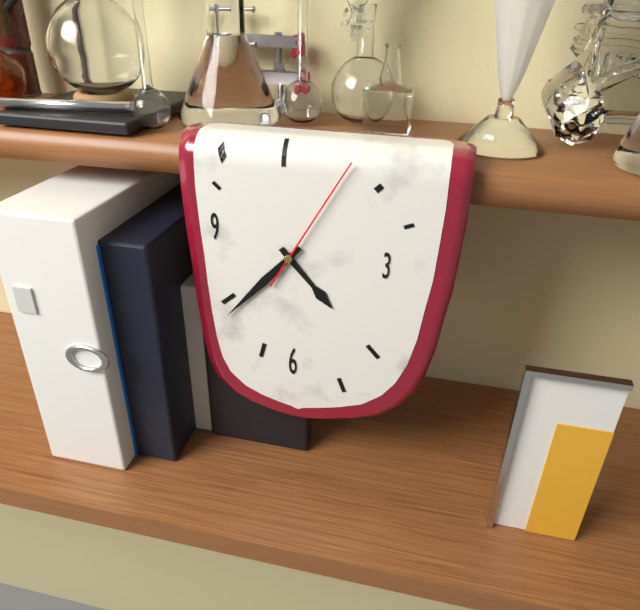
4:37:05
